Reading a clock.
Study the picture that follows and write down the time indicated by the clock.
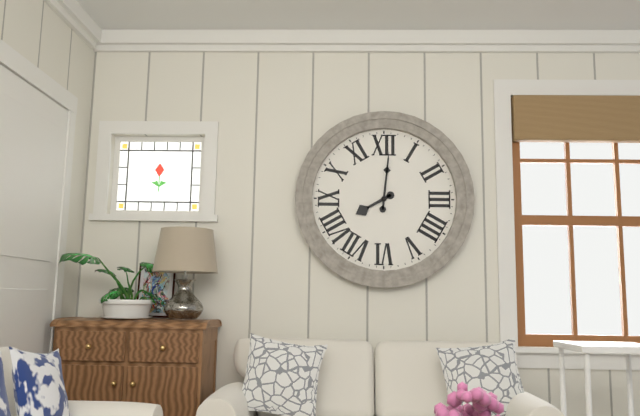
8:01
